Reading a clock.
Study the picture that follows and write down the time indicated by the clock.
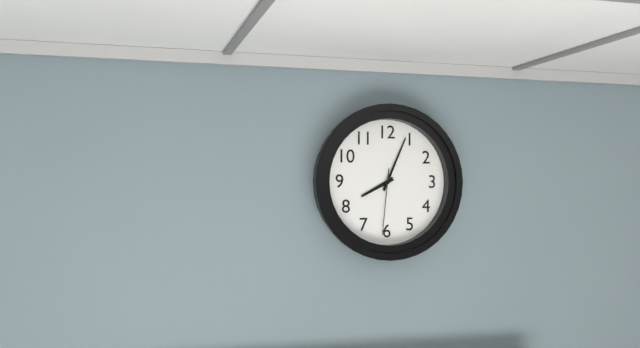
8:04:31
